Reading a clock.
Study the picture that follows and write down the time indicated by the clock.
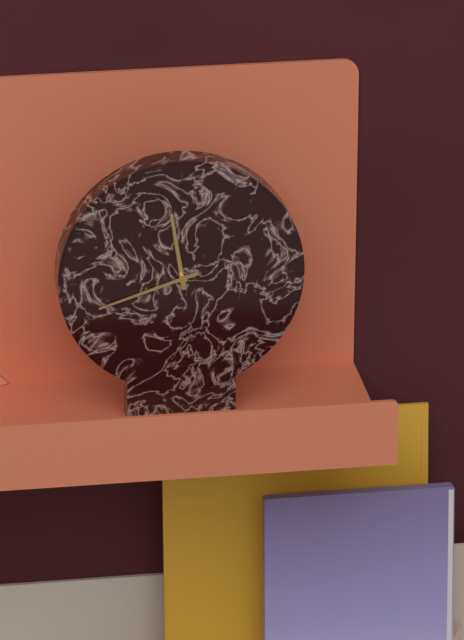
11:42
